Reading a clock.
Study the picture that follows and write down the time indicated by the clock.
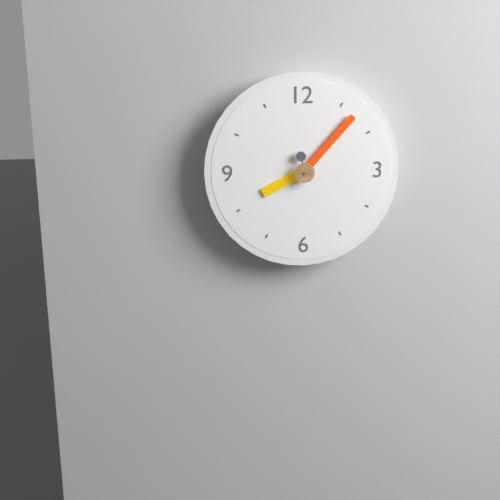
8:07
